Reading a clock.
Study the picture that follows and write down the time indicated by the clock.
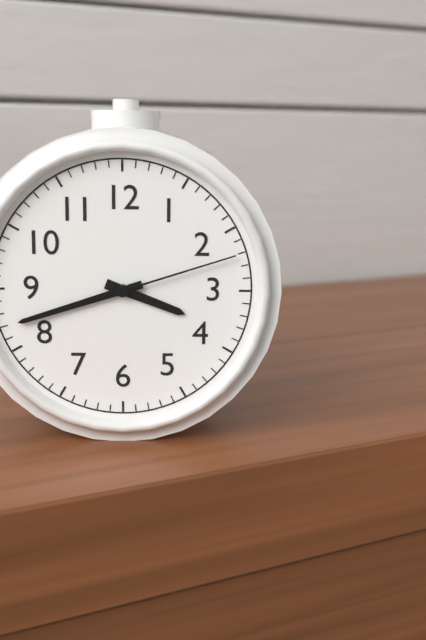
3:42:12
